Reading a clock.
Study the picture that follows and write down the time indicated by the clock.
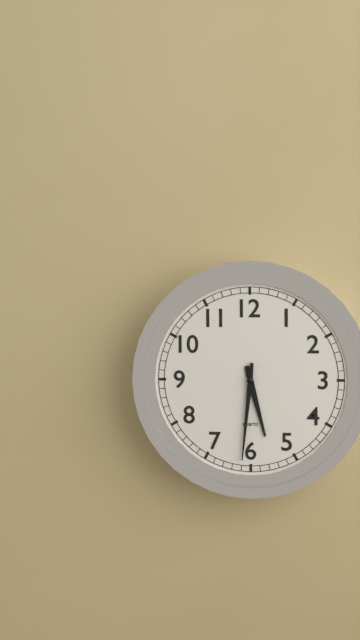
5:31
